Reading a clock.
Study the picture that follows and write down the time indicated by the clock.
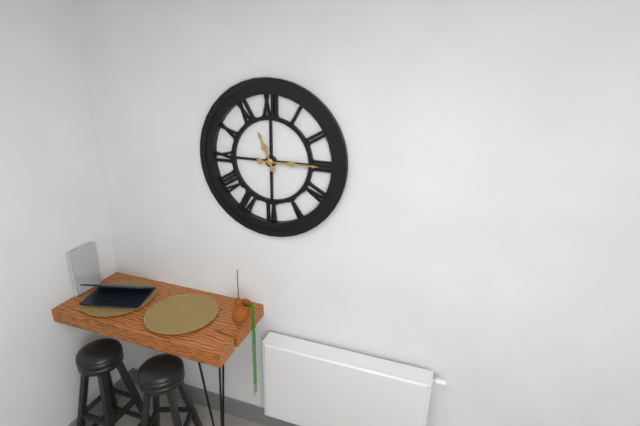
11:15
